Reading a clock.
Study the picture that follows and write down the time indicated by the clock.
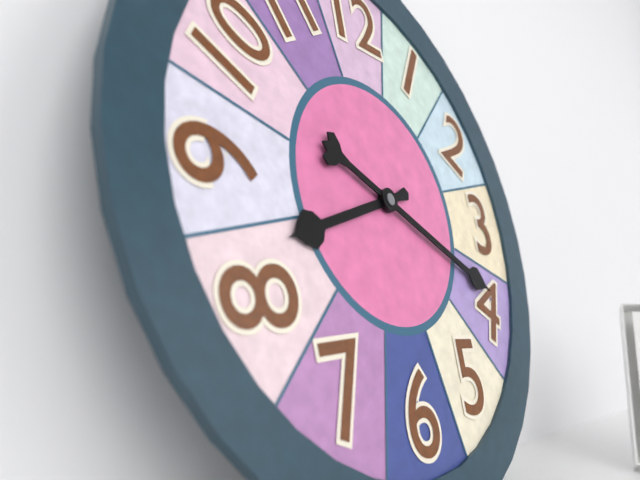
8:19
